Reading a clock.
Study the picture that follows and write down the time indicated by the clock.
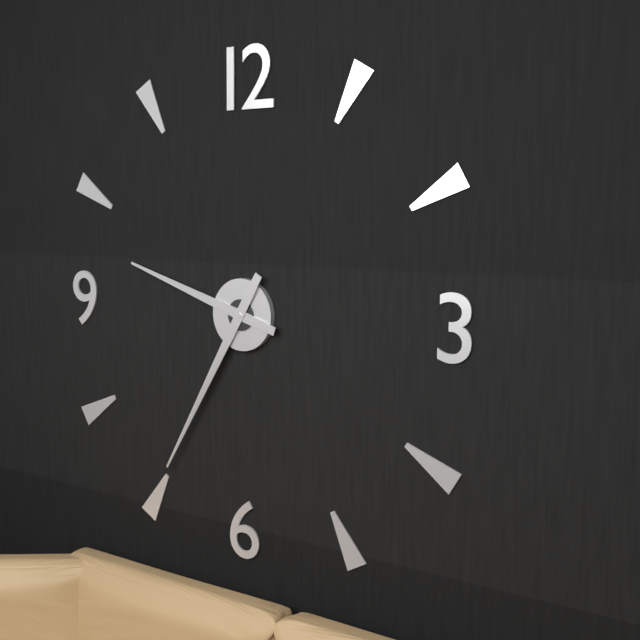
9:35
